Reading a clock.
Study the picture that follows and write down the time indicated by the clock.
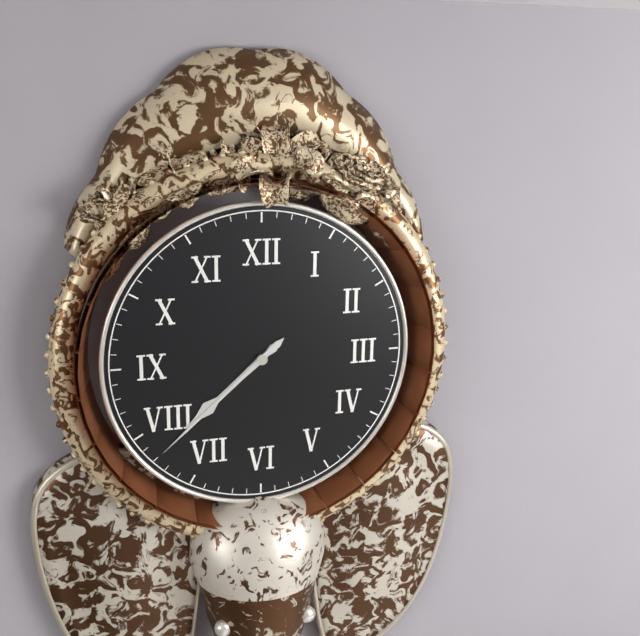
7:38
